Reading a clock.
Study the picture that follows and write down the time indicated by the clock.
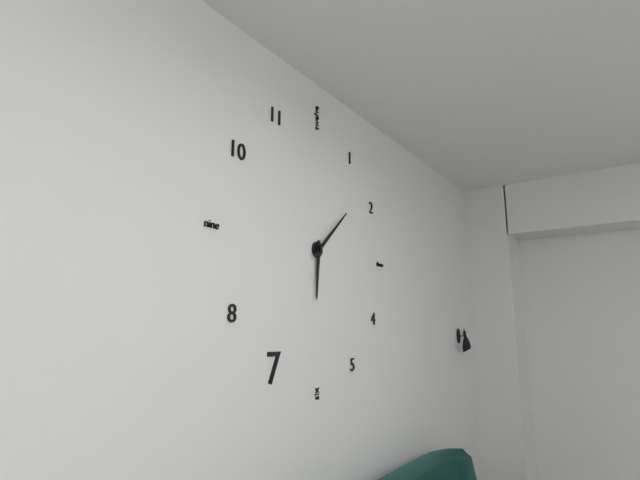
6:08
